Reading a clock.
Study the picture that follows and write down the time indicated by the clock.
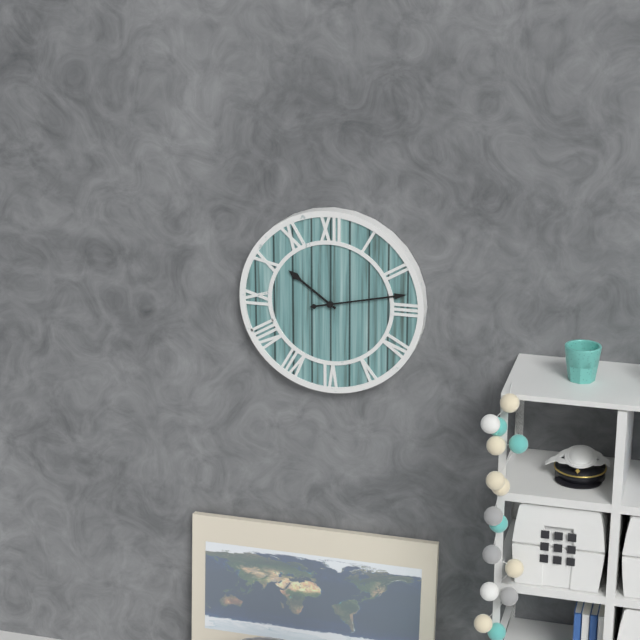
10:13
